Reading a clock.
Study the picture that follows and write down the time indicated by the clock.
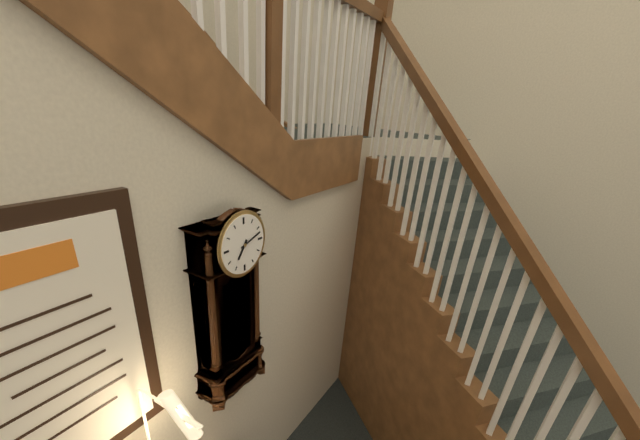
7:12
